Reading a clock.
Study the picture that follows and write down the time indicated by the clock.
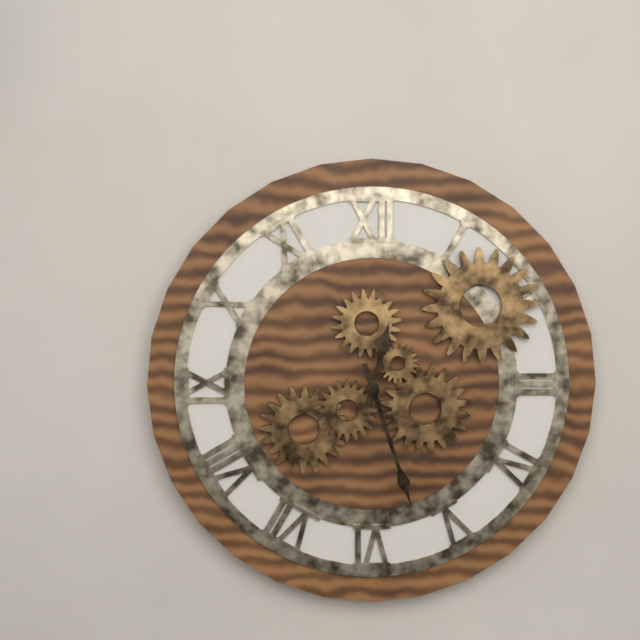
12:27
